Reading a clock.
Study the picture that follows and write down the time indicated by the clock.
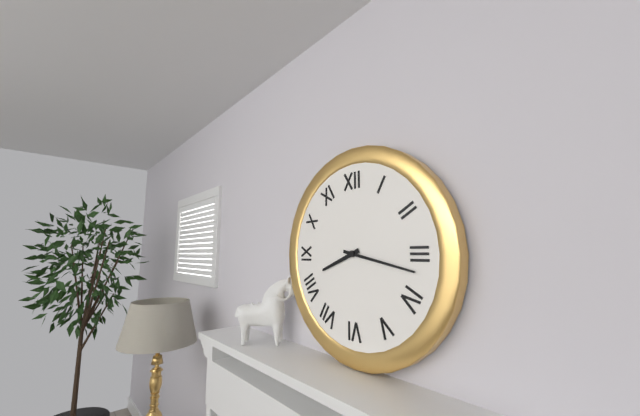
8:17
